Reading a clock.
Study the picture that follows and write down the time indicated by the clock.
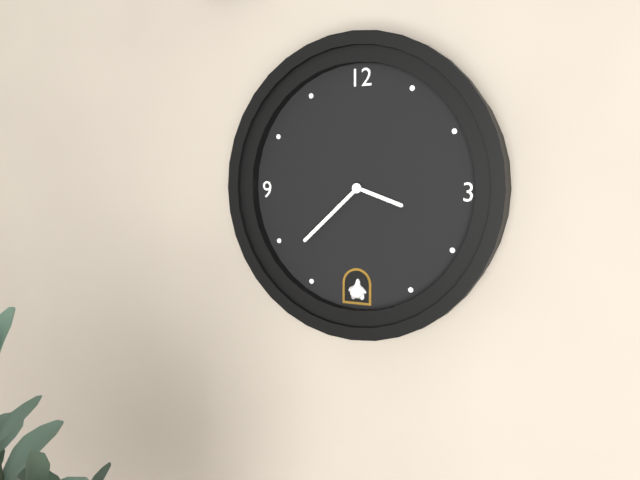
3:38
